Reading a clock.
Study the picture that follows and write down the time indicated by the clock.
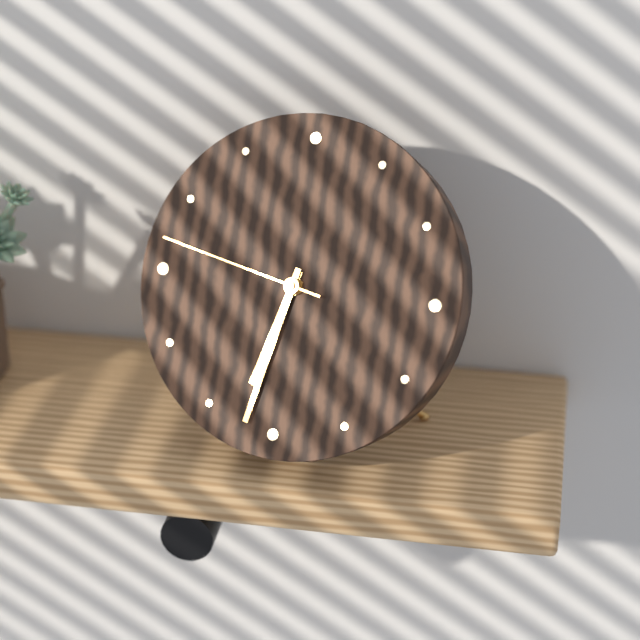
6:32:47
